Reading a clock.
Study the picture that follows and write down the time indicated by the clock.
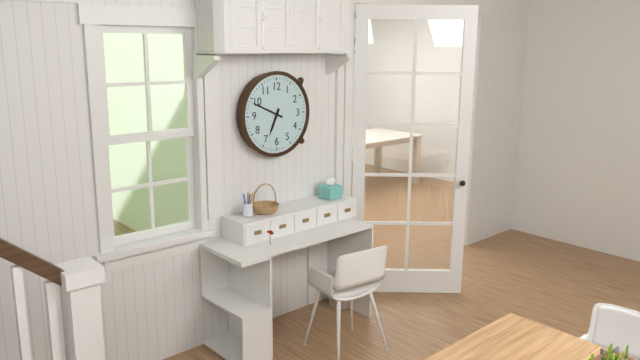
6:49
